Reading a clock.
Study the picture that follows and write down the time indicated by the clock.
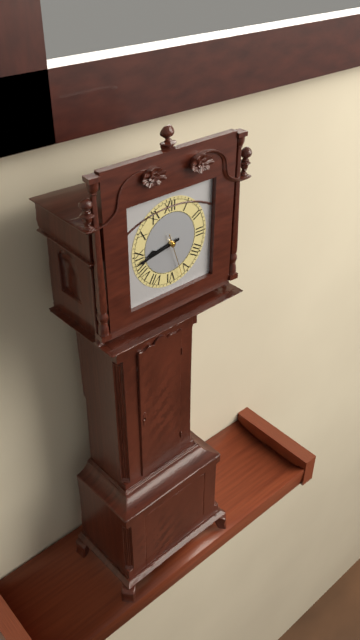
8:43
